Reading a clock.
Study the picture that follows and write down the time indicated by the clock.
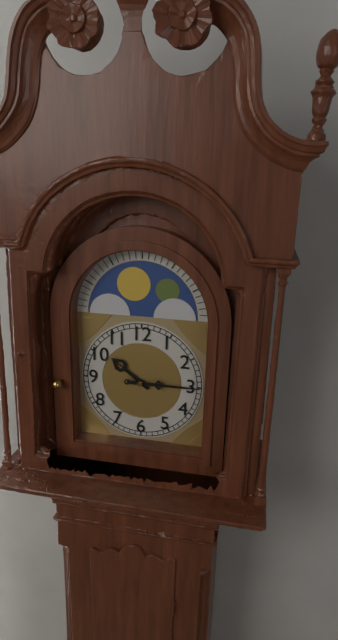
10:15
